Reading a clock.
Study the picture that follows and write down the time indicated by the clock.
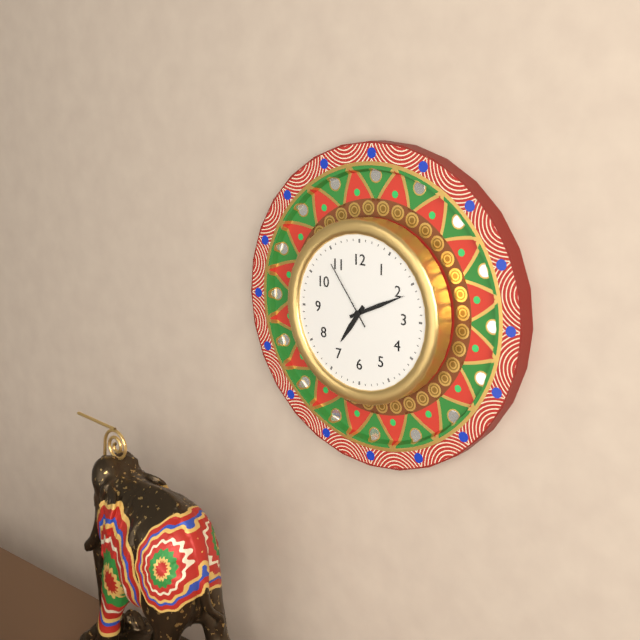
7:11:54
